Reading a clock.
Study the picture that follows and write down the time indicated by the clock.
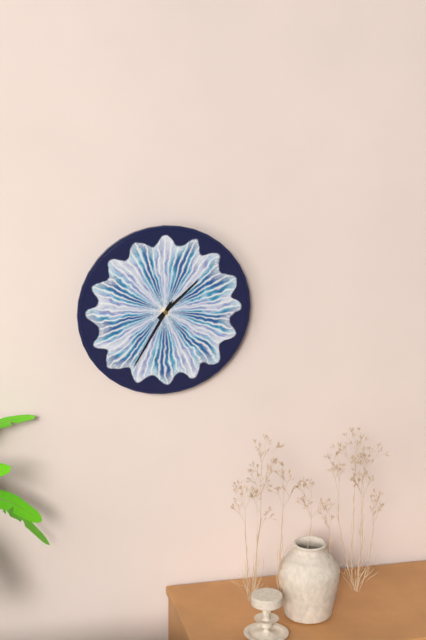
1:35:35
